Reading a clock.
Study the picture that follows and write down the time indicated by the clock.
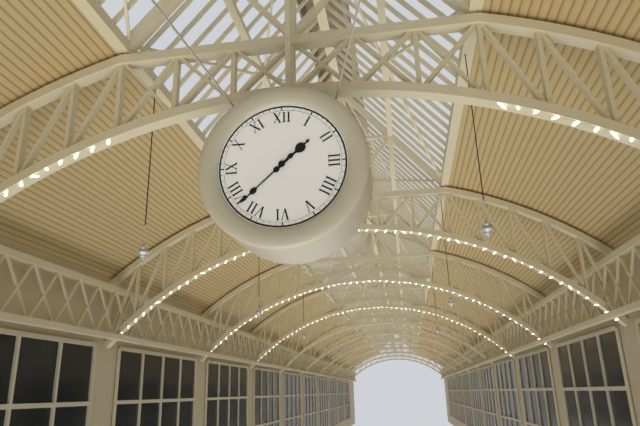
1:38
